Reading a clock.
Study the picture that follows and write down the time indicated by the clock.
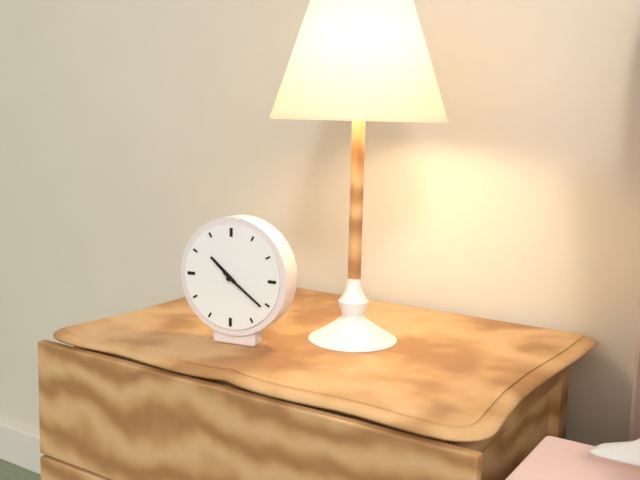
10:21
